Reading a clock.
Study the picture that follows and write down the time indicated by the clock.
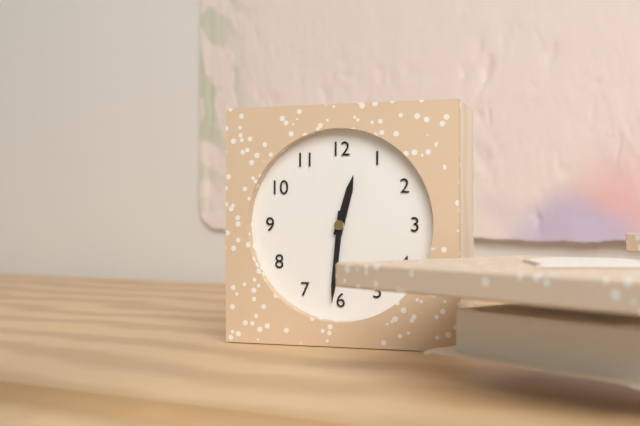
12:31
